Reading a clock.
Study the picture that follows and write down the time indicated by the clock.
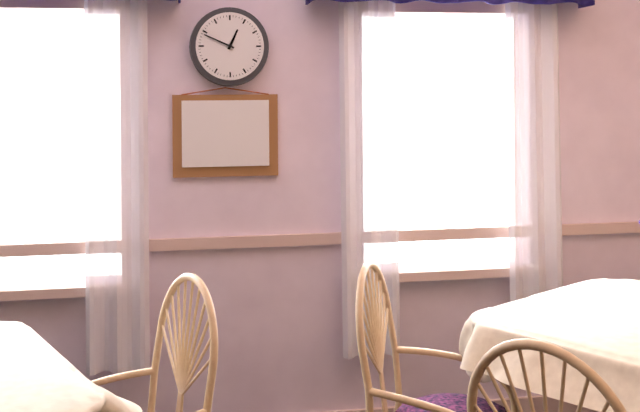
12:49
